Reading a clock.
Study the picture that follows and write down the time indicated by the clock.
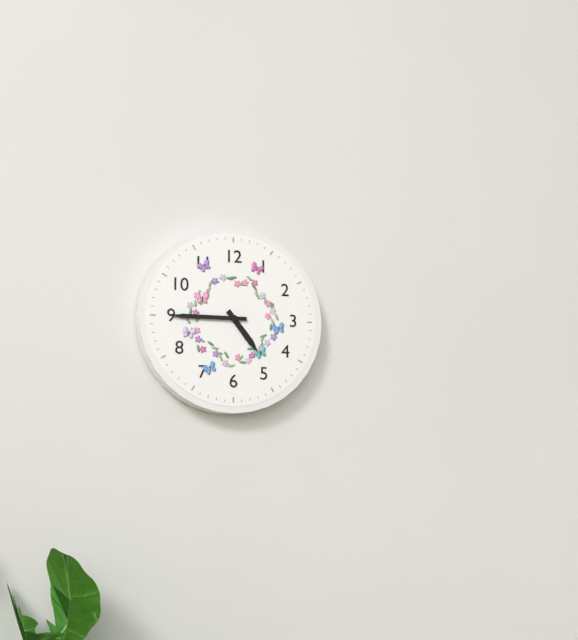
4:45
